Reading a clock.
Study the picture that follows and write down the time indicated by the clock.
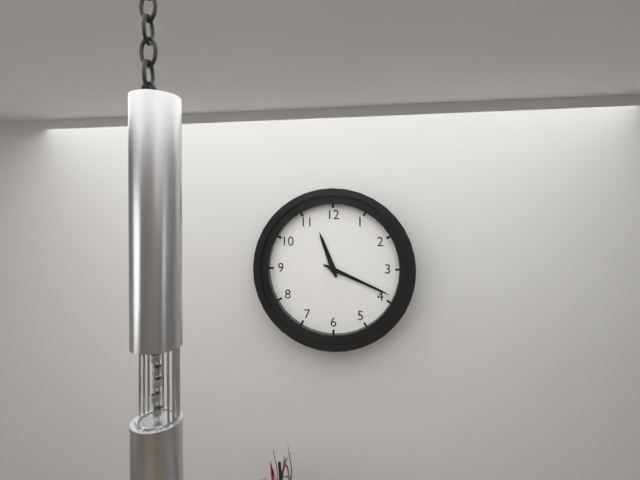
11:19
